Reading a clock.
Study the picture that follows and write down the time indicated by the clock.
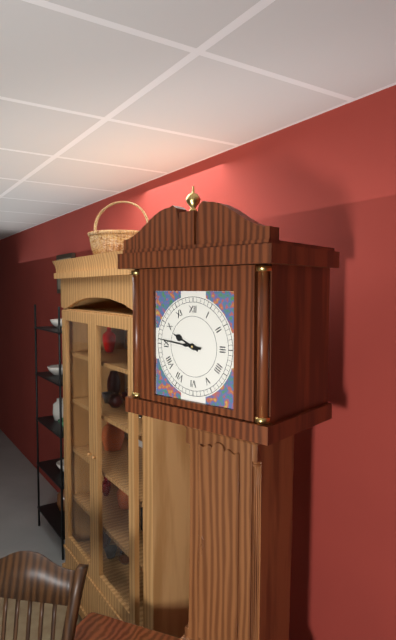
9:46
